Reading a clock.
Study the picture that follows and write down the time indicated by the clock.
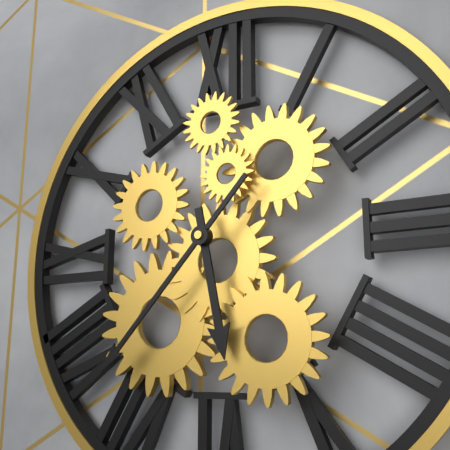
5:37
